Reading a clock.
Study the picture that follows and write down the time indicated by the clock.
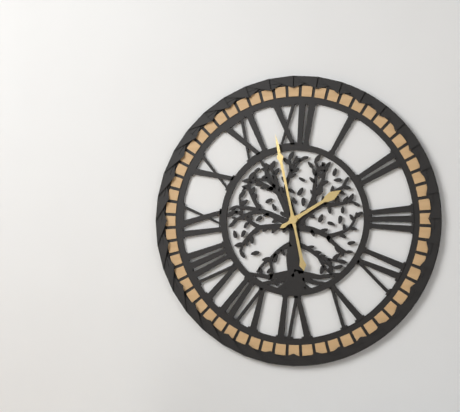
1:58
